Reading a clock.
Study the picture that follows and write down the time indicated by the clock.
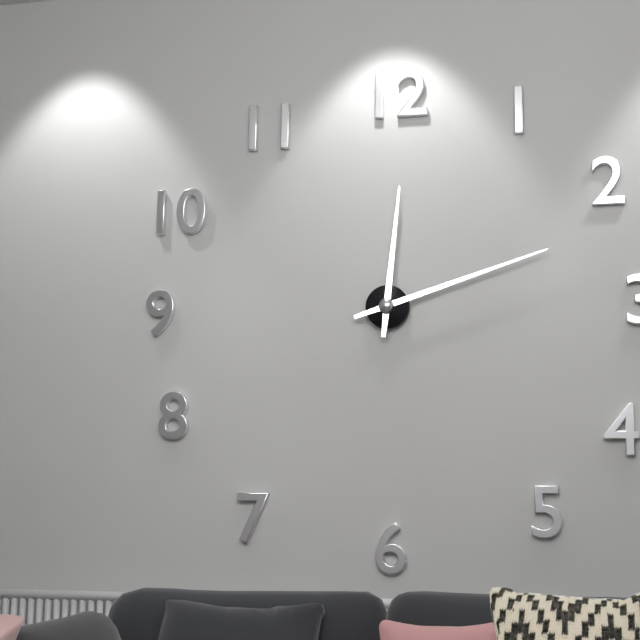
12:12
